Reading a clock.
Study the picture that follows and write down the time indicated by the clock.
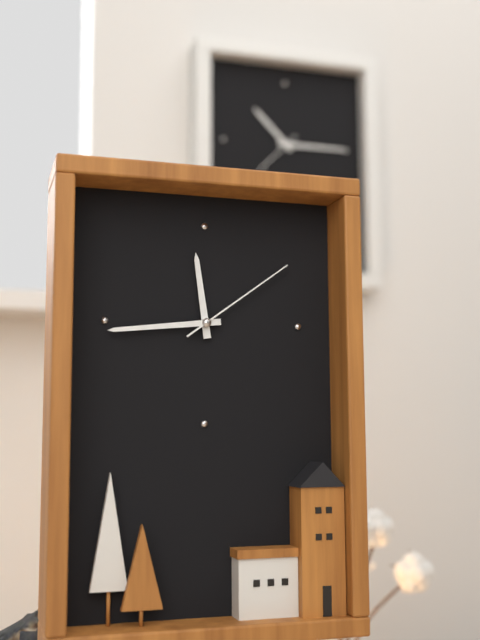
11:44:09
